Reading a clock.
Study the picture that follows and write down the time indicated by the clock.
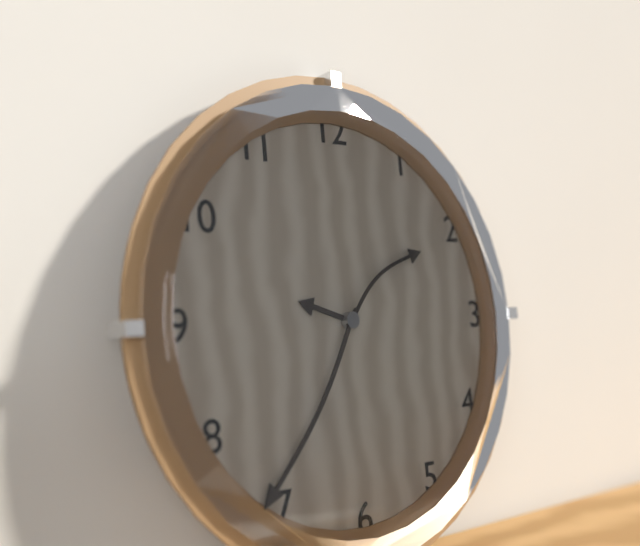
9:36:09
